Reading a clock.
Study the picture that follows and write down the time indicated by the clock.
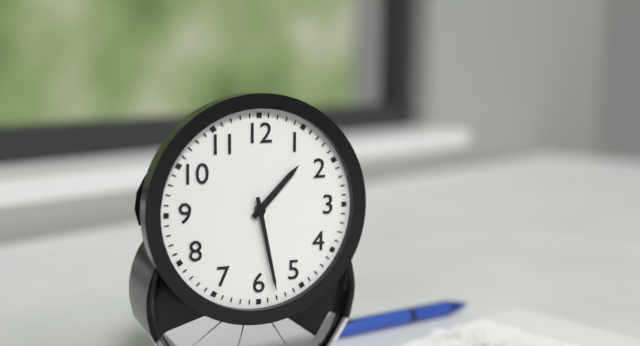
1:28
